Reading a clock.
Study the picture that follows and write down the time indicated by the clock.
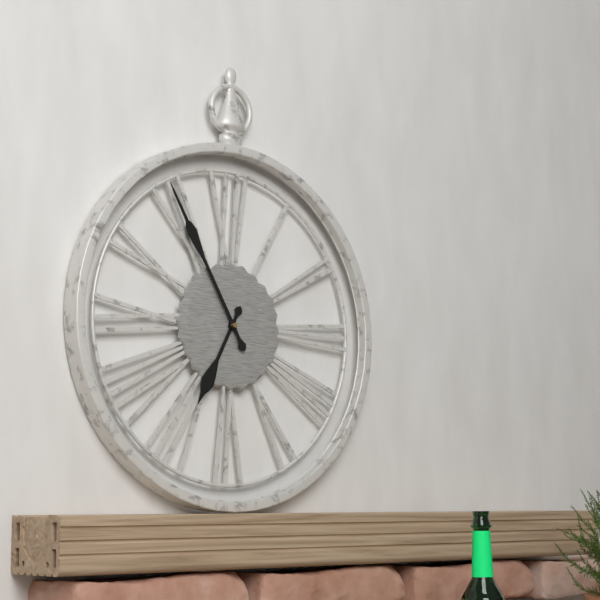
6:55
